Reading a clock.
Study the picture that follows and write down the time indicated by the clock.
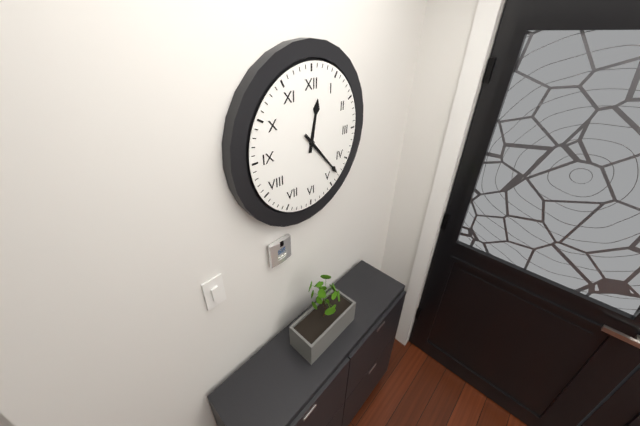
12:23
